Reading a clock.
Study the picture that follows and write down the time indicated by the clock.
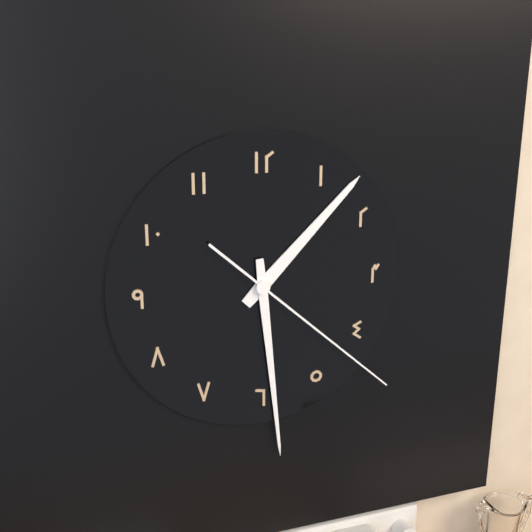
1:29:22
